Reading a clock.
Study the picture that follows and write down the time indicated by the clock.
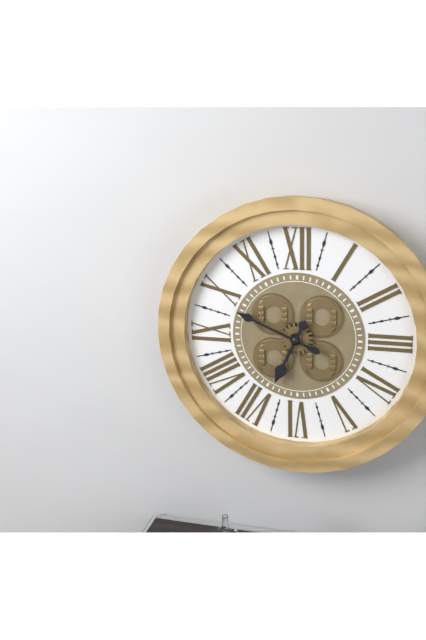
6:49
